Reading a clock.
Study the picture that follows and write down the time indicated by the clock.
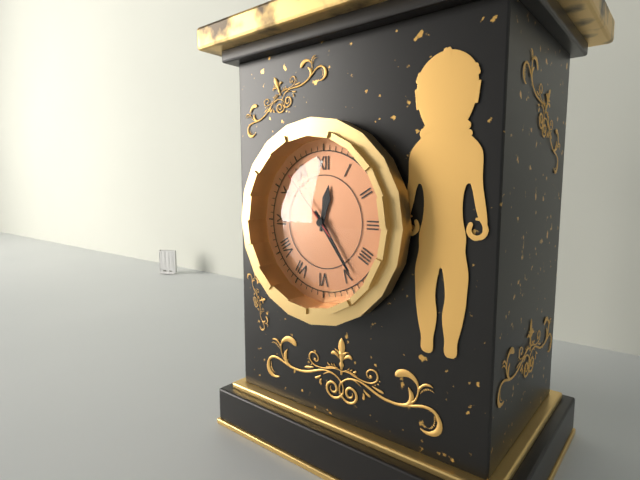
12:24:53
